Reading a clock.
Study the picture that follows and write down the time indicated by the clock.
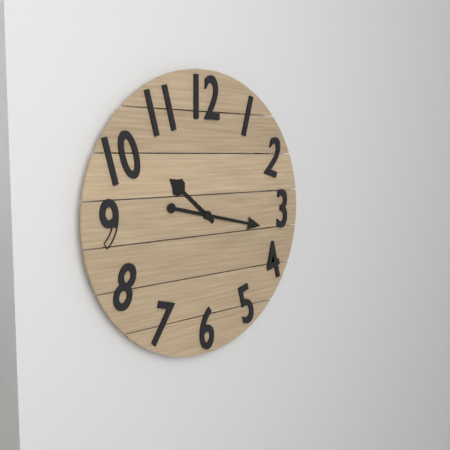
10:17
